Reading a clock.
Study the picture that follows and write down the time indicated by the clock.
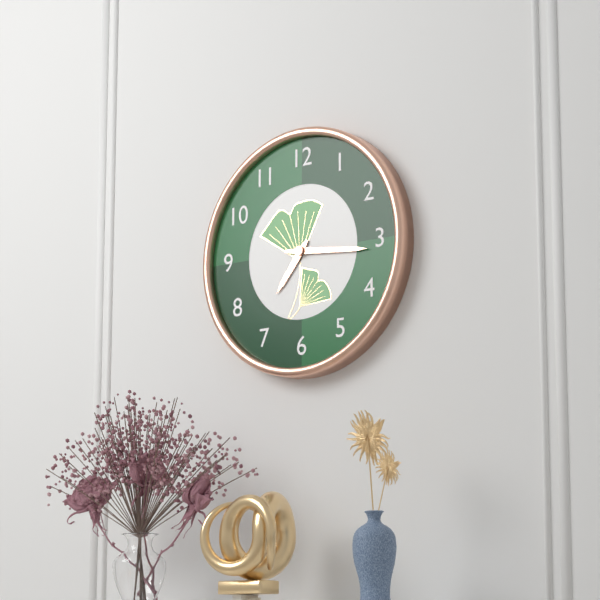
7:16
